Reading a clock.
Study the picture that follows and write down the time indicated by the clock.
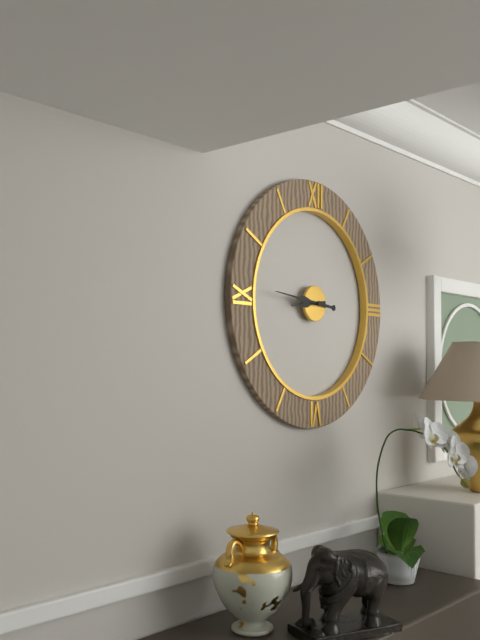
8:46
